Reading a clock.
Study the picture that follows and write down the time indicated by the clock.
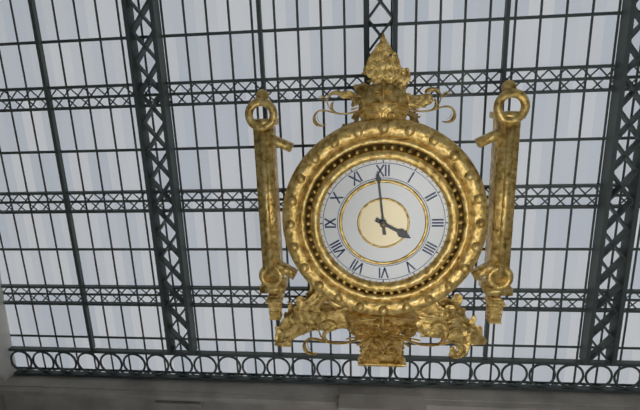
3:59
